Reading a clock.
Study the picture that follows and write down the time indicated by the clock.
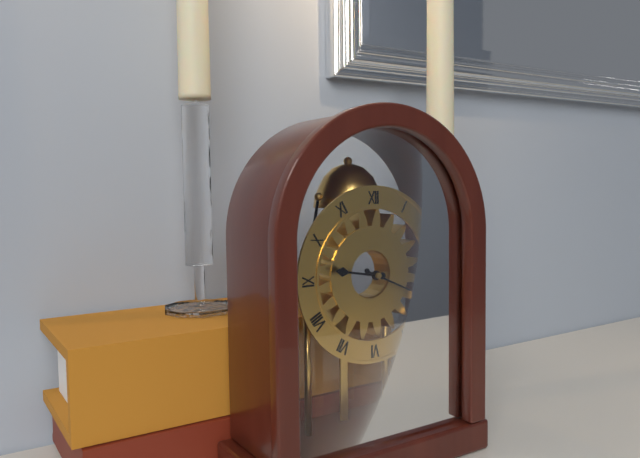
9:19
